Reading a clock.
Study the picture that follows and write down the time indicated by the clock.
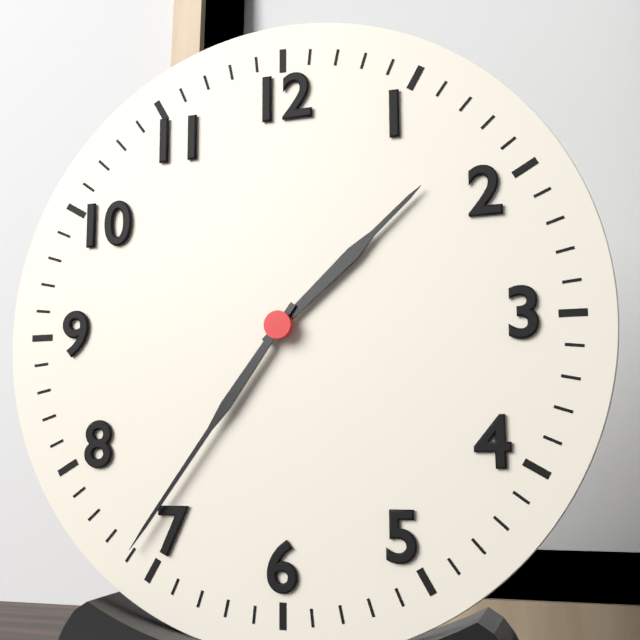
1:36
